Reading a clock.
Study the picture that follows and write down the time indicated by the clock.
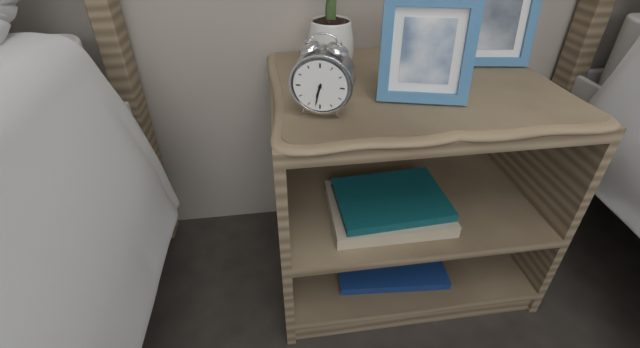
6:32
